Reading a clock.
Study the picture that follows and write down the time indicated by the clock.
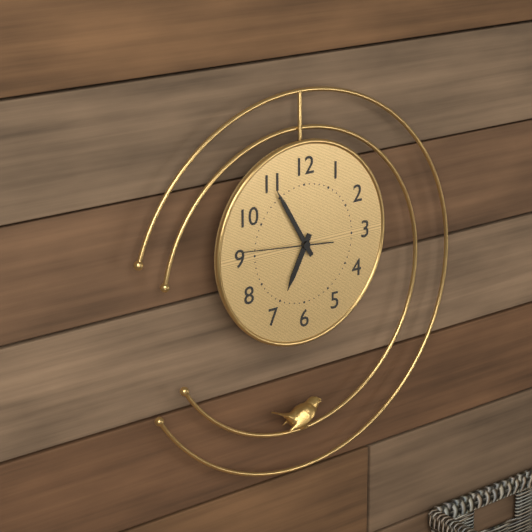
6:55:46
